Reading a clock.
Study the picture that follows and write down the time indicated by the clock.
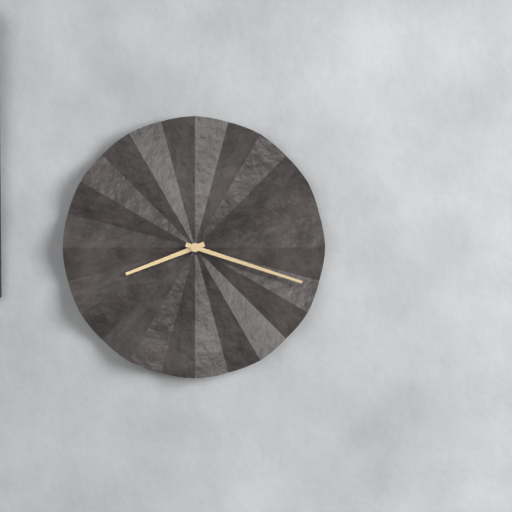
8:18
